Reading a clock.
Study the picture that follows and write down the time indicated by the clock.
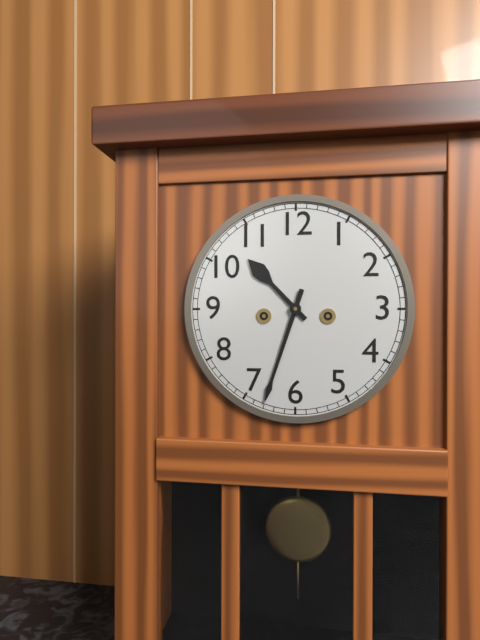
10:33
